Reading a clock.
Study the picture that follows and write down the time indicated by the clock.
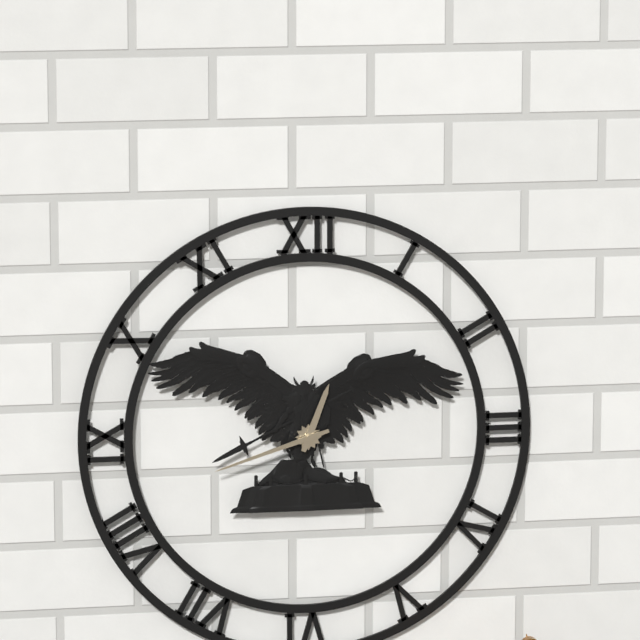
12:42
